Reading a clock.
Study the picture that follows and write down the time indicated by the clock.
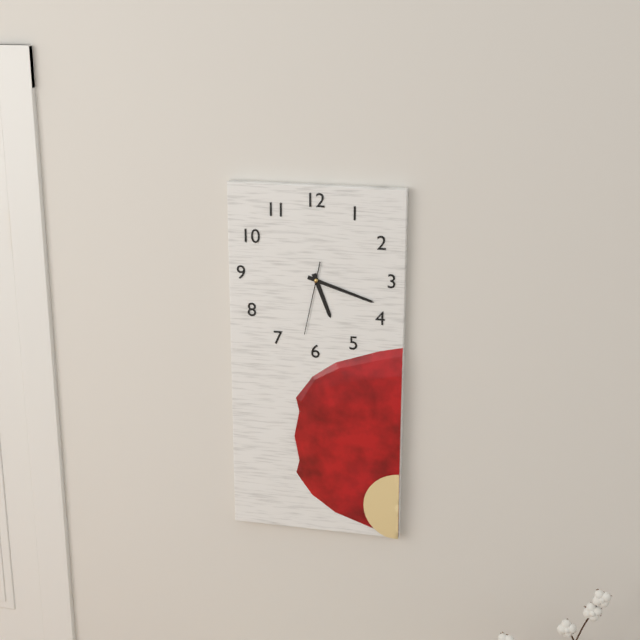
5:18:32
